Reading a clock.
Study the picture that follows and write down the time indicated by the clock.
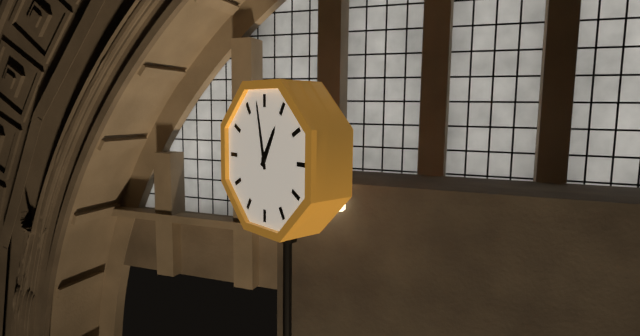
12:58
